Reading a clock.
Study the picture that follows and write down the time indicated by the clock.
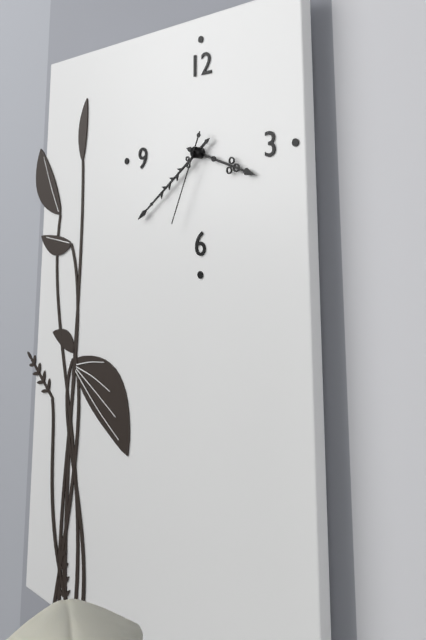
3:39:34
